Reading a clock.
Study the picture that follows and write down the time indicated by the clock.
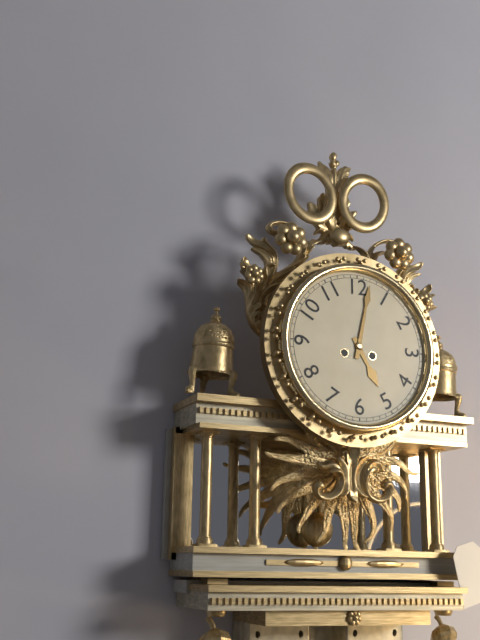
5:02
